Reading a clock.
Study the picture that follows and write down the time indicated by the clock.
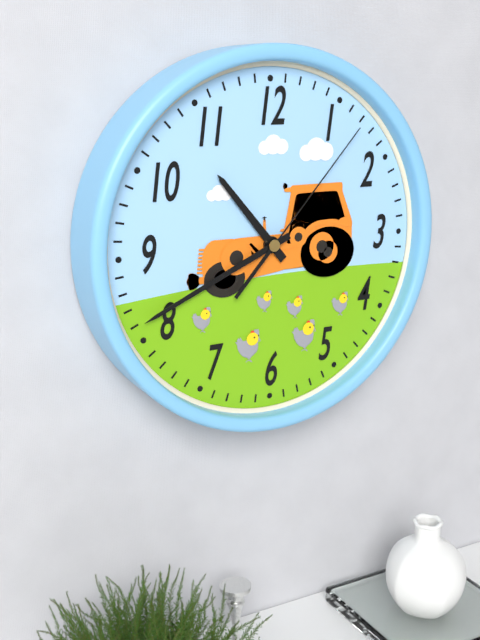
10:41:07
